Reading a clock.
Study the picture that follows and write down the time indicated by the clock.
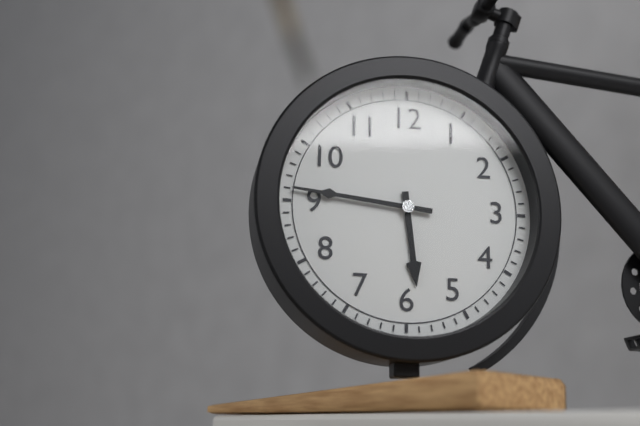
5:46
